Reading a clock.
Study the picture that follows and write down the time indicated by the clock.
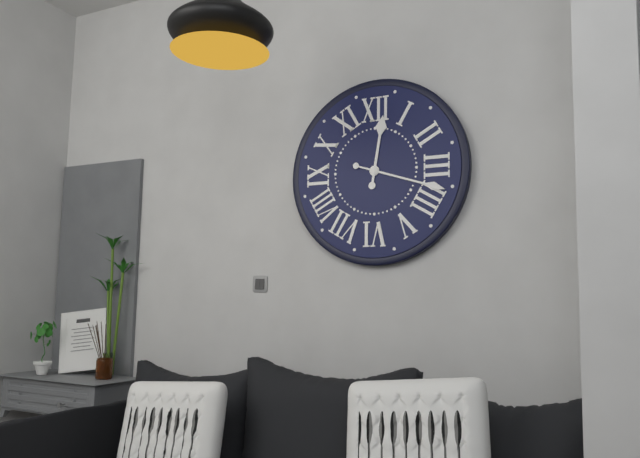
12:18
